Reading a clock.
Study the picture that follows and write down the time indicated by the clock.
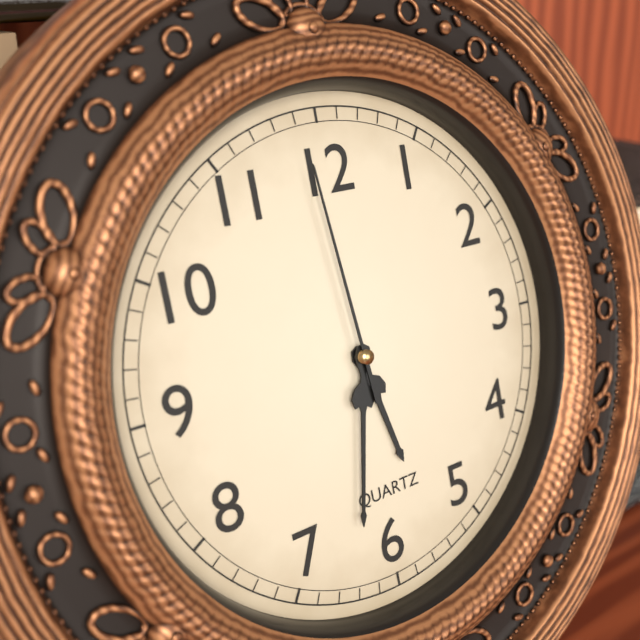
5:32:59
